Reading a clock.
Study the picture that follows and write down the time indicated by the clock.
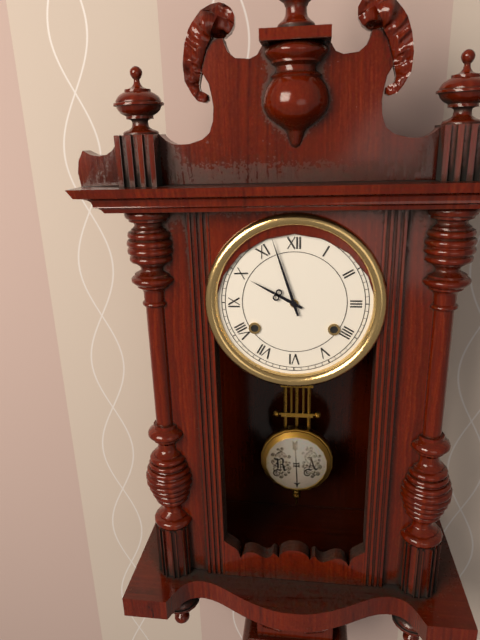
9:57
